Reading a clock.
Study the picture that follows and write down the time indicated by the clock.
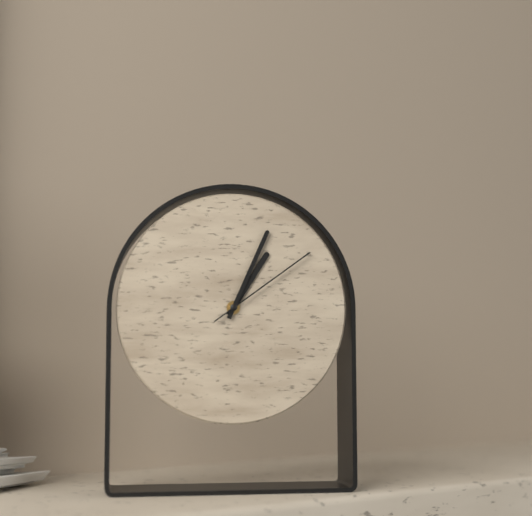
1:04:09
